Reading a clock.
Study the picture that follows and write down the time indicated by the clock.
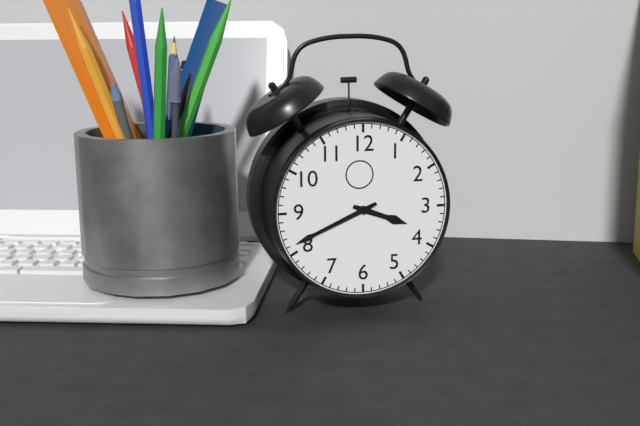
3:41
